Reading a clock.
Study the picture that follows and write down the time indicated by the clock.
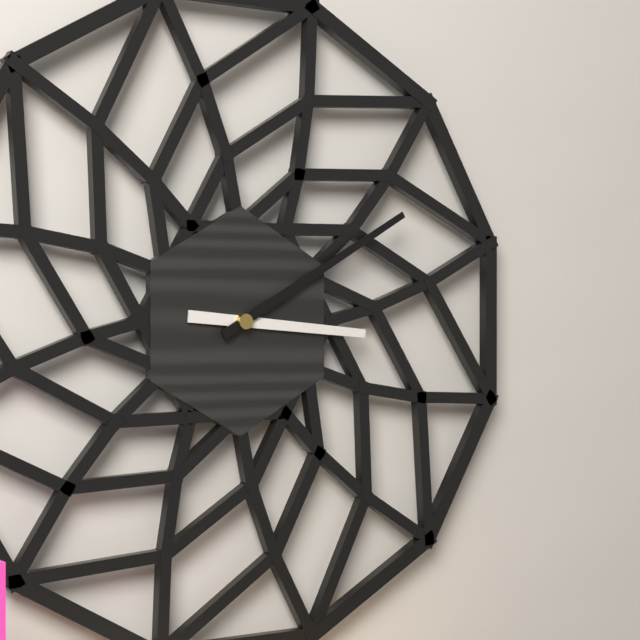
3:10
